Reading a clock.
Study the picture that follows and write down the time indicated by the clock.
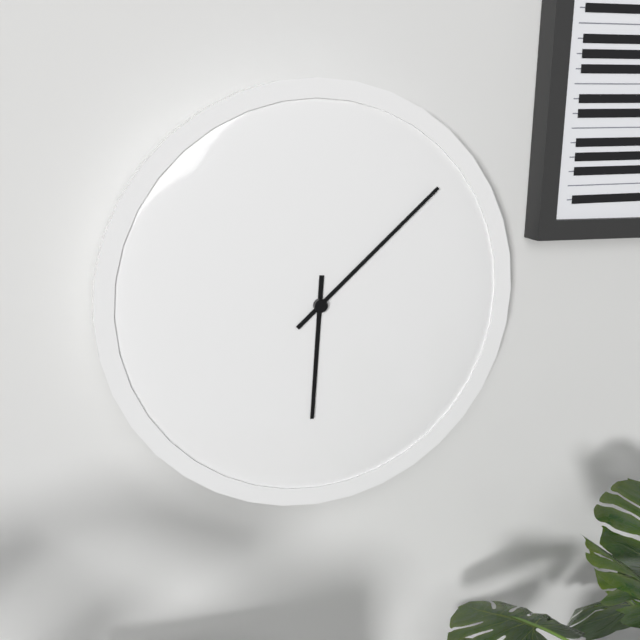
6:08
